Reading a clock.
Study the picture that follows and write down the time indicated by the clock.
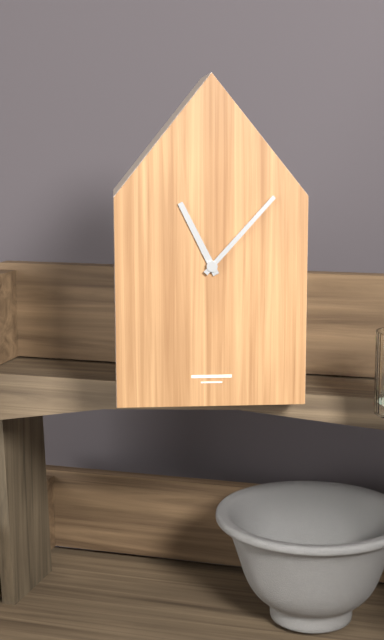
11:07
